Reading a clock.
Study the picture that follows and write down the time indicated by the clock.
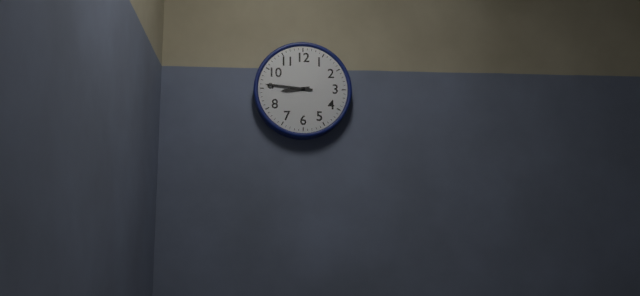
8:46
